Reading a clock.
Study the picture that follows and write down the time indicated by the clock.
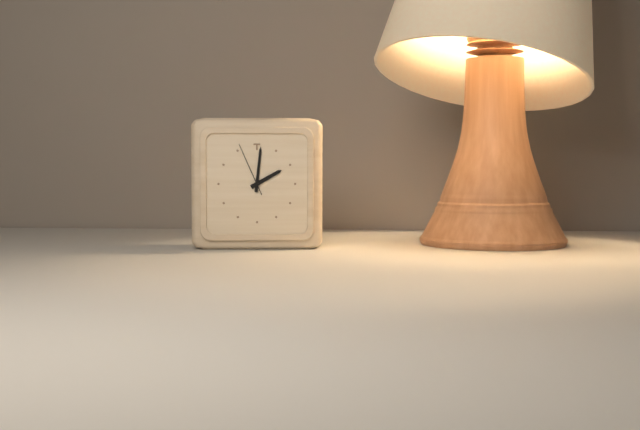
2:01:56
